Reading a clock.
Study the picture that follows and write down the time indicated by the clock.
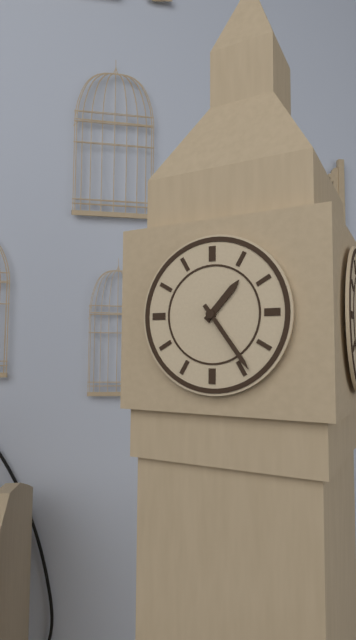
1:24
